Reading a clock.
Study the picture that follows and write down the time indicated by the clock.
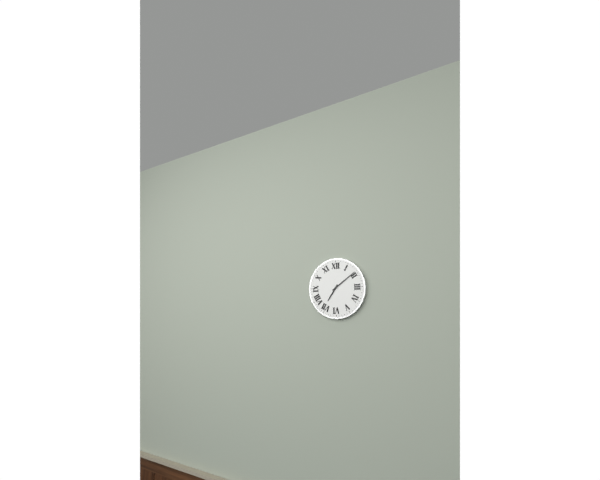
7:09
